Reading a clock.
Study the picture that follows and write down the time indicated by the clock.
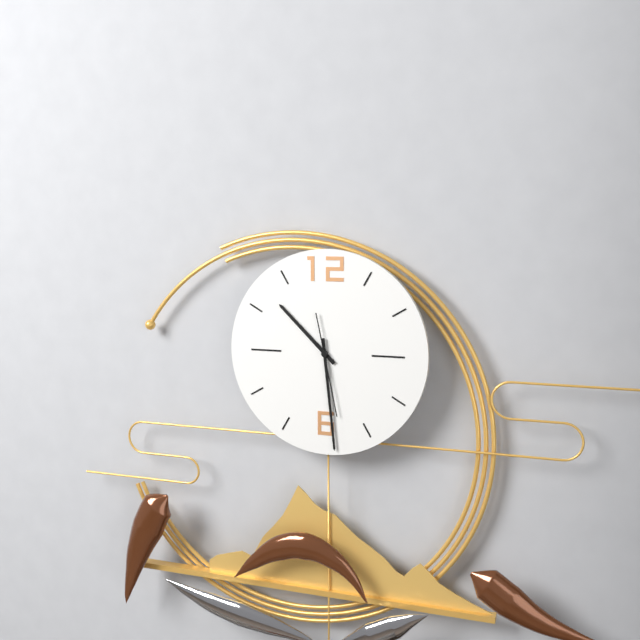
10:29:28
